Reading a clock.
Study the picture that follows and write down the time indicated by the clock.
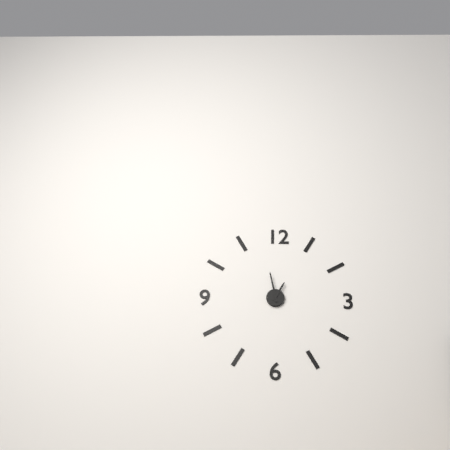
12:58
